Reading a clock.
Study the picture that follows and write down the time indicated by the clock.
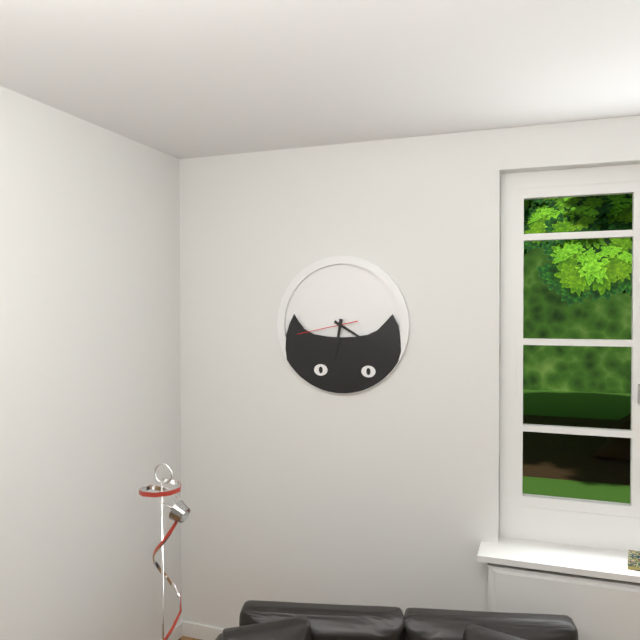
6:20:43
